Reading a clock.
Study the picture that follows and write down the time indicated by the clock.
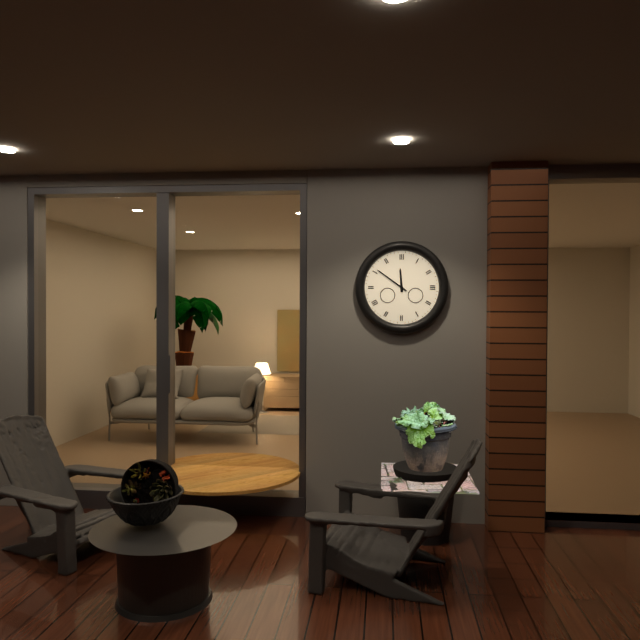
11:51
